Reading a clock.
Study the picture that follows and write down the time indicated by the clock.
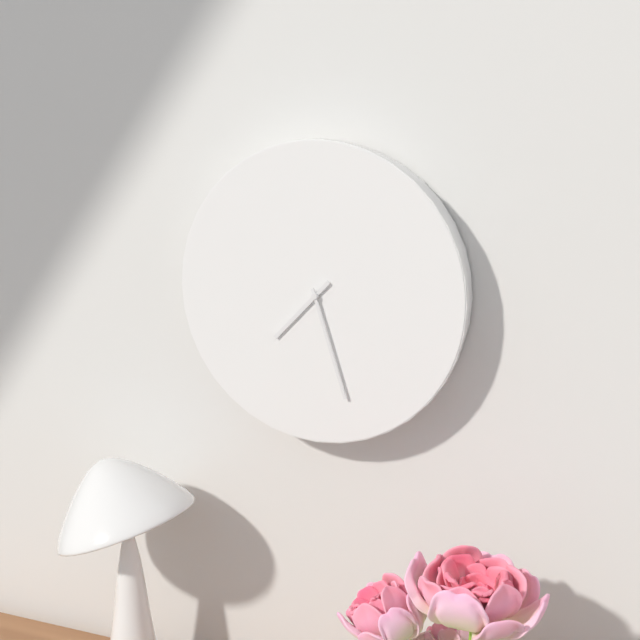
7:27
